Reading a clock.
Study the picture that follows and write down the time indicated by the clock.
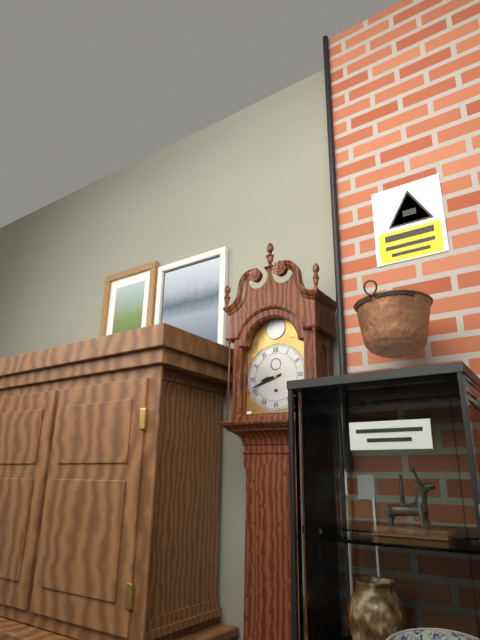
8:42
